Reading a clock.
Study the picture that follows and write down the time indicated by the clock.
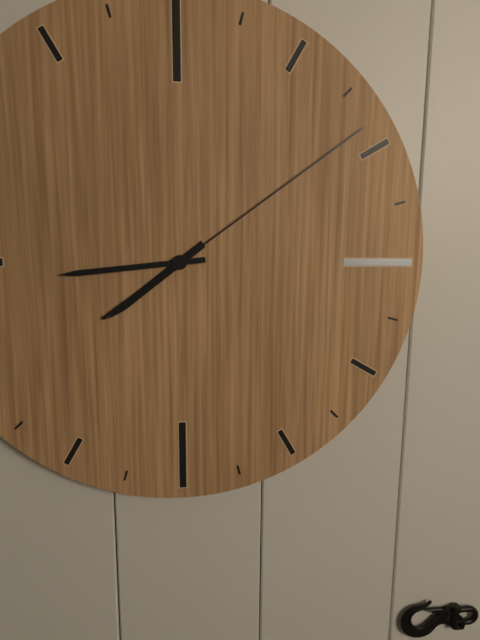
7:44:09
